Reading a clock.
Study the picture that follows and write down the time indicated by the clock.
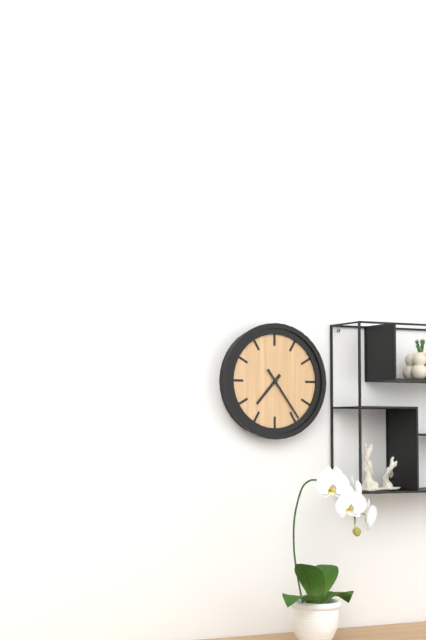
7:24
